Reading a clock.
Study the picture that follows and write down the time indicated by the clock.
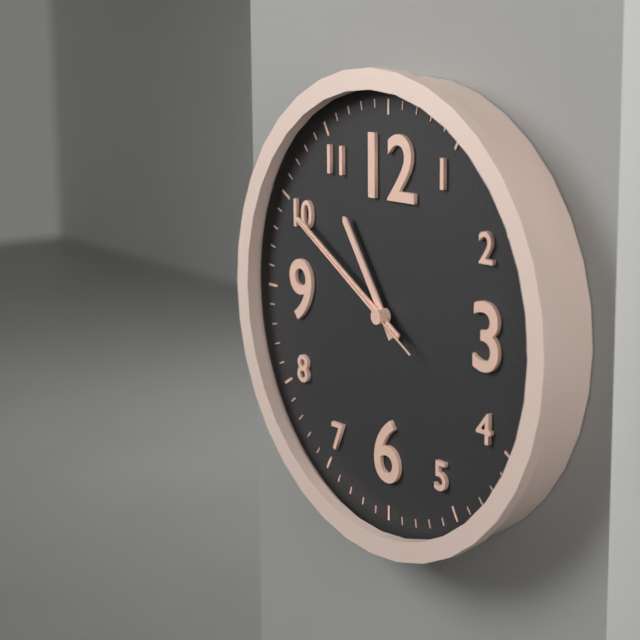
10:50:50
